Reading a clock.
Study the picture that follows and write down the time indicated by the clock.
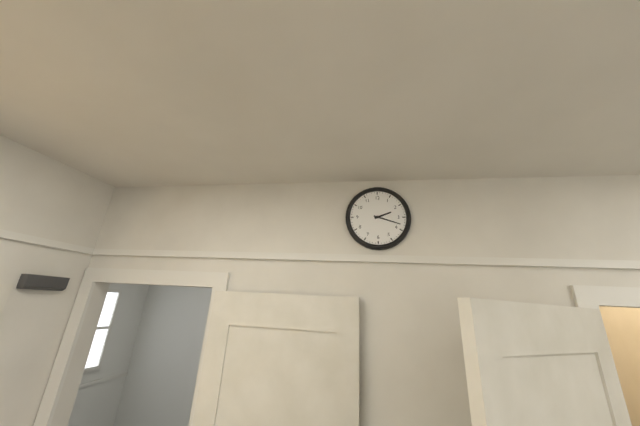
2:18
